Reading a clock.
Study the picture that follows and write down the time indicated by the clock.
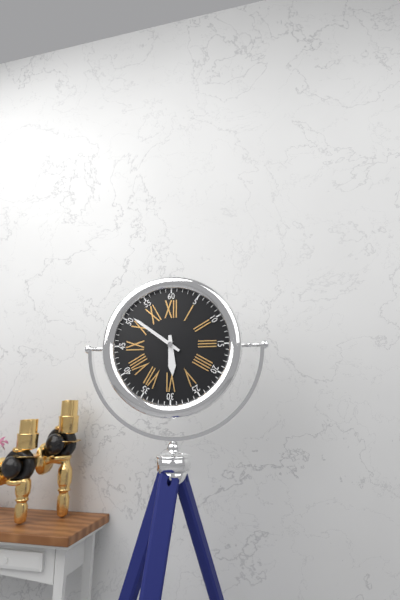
5:51
